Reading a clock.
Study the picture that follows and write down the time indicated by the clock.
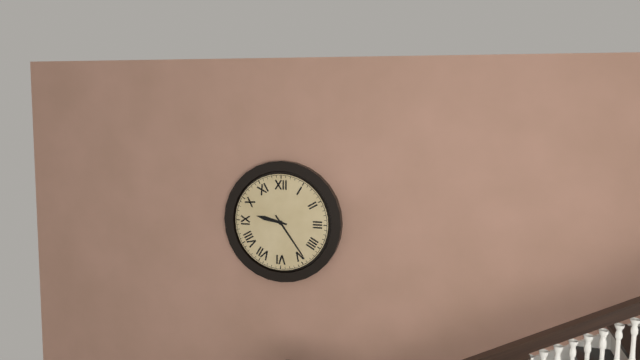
9:24
